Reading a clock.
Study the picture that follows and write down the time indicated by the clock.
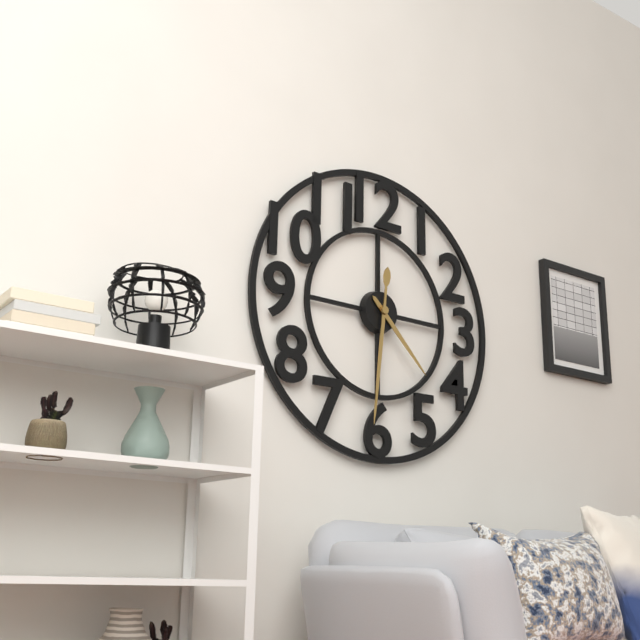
4:31
